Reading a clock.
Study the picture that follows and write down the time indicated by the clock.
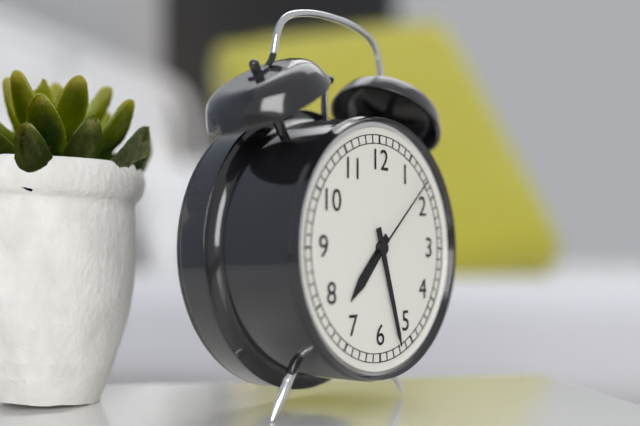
7:27:08
